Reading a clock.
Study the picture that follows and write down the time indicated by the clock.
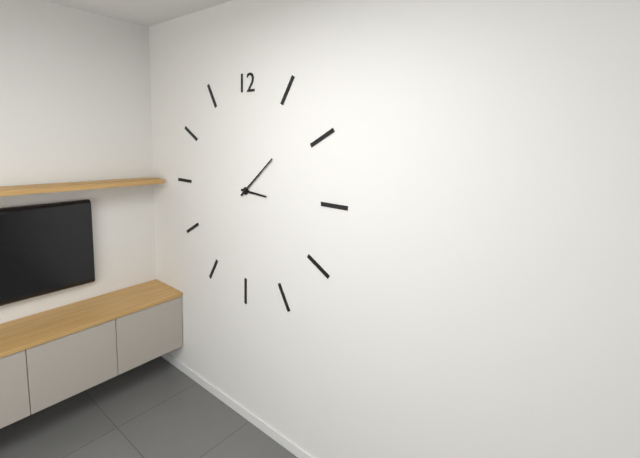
3:08
